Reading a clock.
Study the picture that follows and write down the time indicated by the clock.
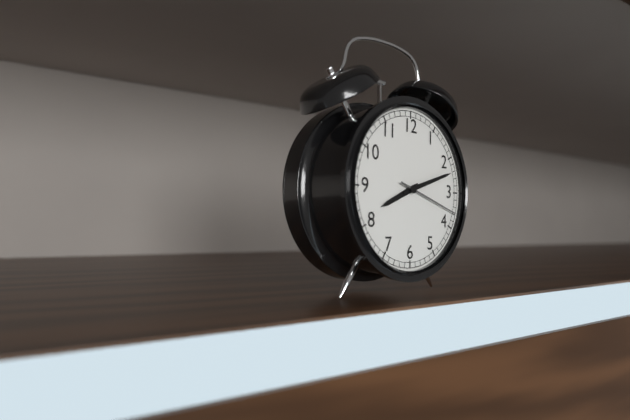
8:12:18
